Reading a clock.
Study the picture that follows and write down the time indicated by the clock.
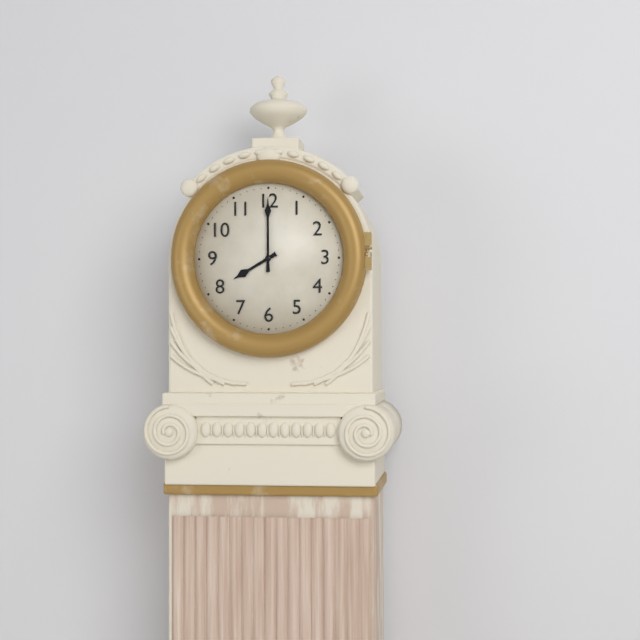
8:00
